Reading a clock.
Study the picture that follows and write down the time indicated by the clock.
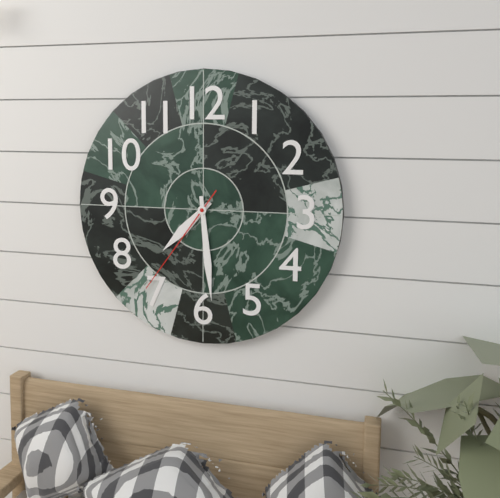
7:29:36
